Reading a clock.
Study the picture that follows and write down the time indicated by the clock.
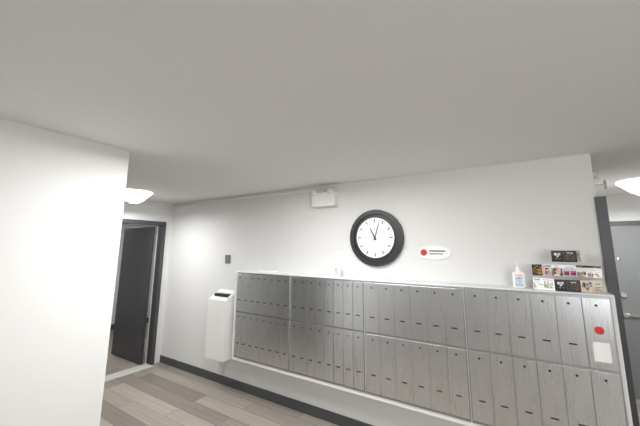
11:03
